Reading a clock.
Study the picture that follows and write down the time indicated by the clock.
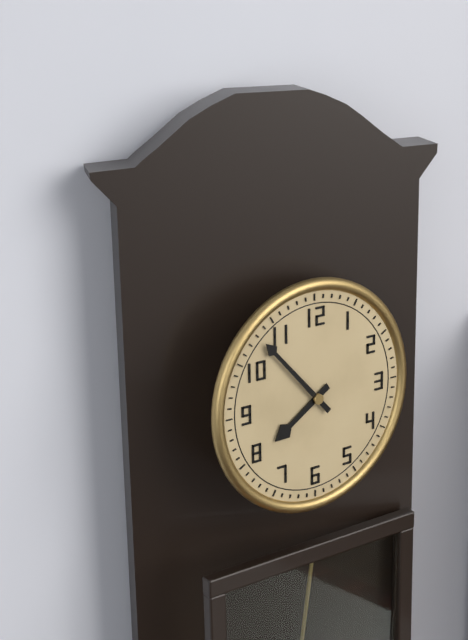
7:53
